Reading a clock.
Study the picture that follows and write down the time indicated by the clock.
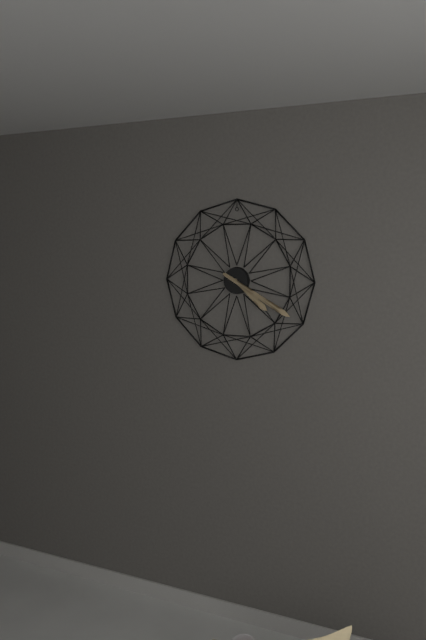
4:20
